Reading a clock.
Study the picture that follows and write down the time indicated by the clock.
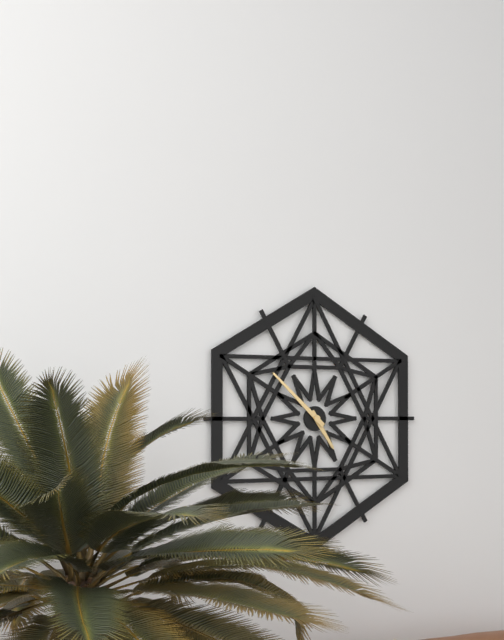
4:52
